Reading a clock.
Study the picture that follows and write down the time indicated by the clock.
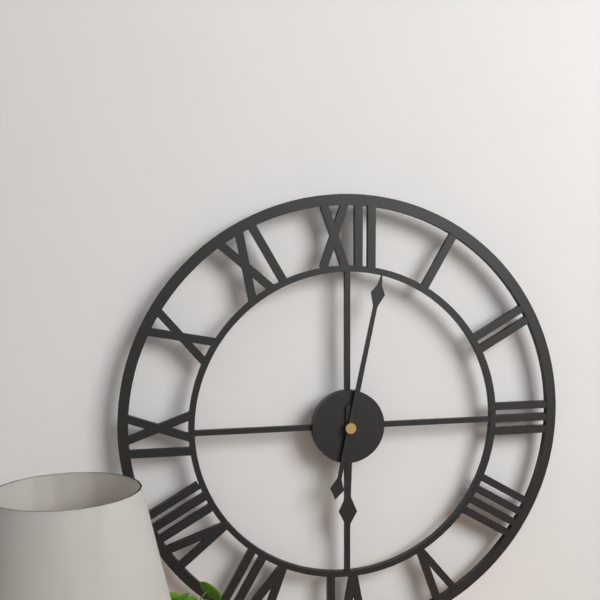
6:02
